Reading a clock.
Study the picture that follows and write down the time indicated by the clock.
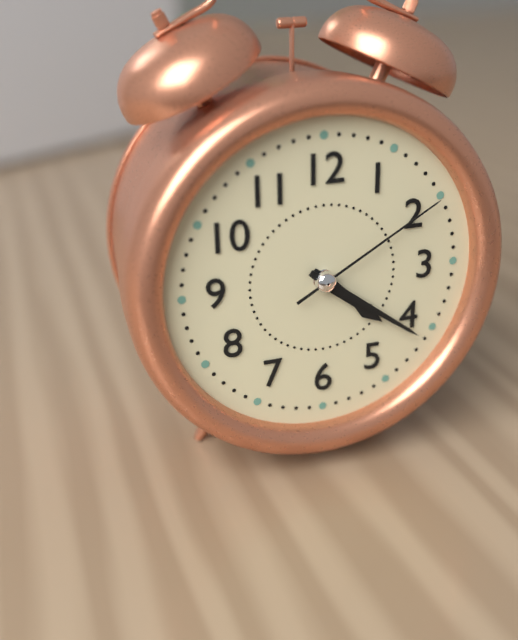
4:21:10
